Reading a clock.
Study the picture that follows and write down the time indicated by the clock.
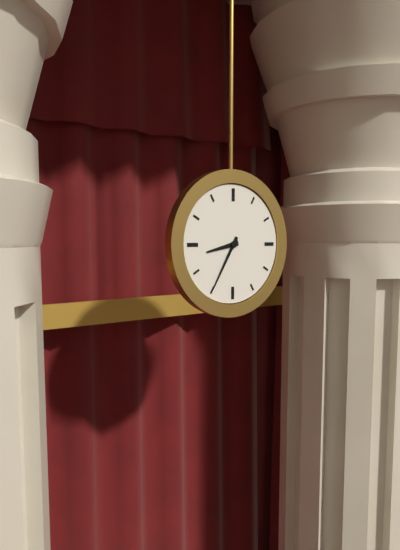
8:35
